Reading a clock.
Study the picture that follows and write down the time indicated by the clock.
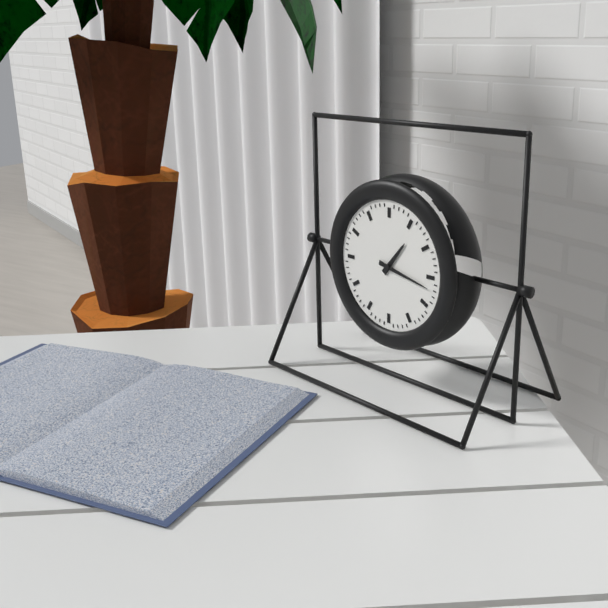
1:17
